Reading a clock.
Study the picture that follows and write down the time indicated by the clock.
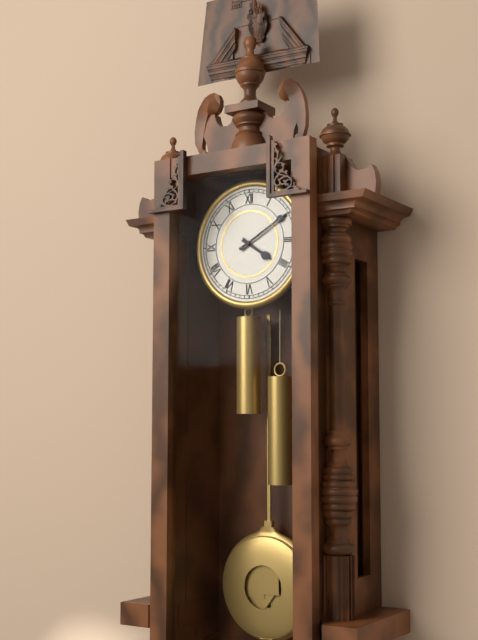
4:10
